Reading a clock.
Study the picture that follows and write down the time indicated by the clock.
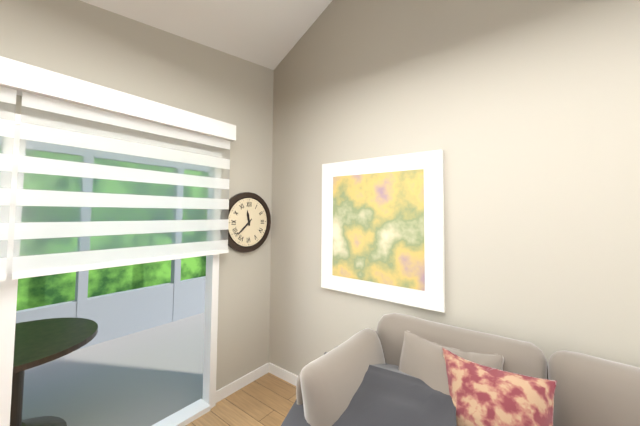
11:38
